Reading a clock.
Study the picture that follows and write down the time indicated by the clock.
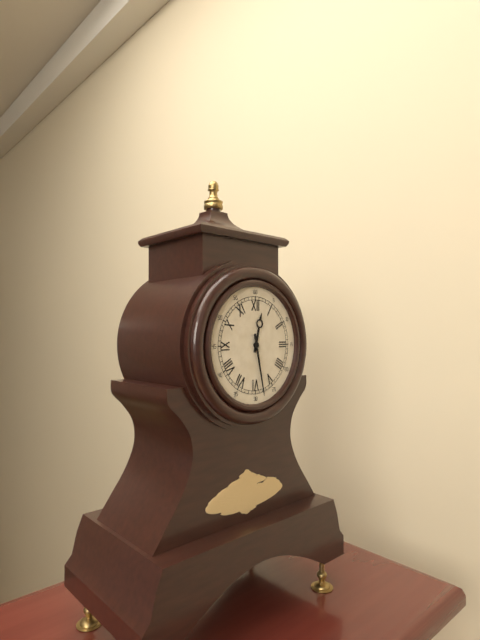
12:28
